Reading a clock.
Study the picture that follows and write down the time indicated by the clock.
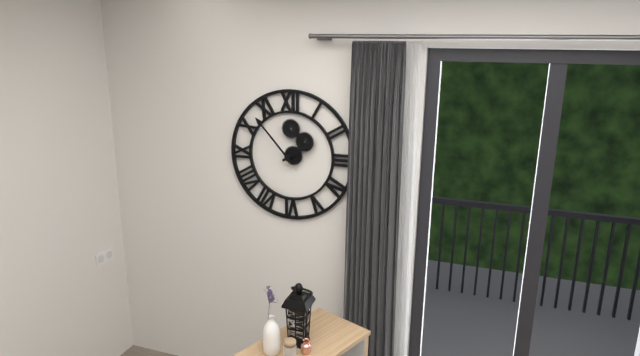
1:53
